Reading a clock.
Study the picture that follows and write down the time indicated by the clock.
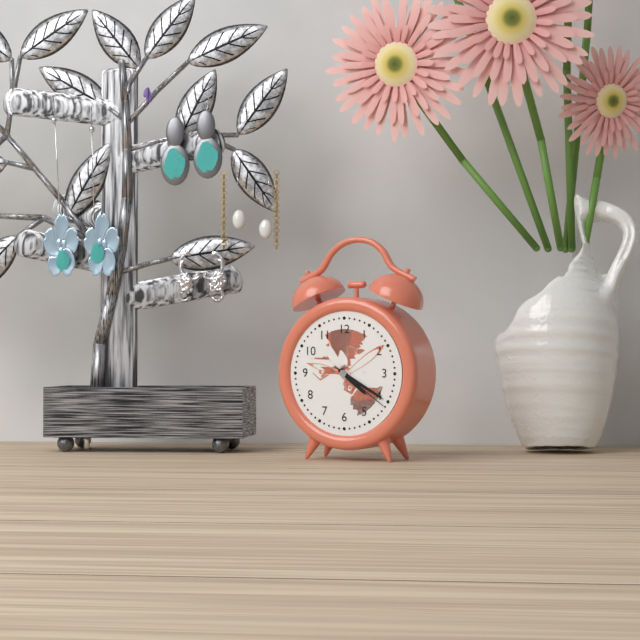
4:20:21
